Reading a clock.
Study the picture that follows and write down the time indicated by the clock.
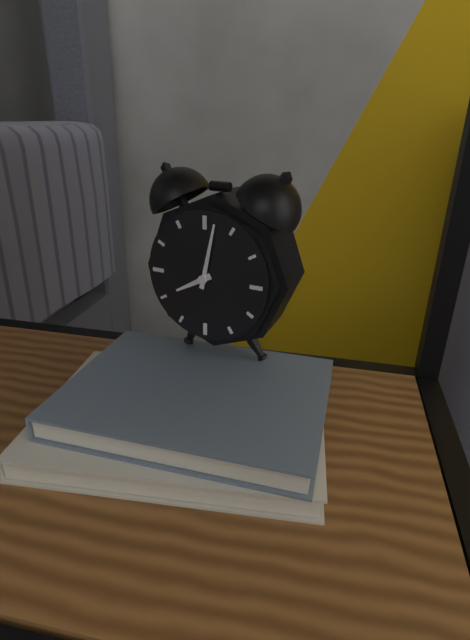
8:02
